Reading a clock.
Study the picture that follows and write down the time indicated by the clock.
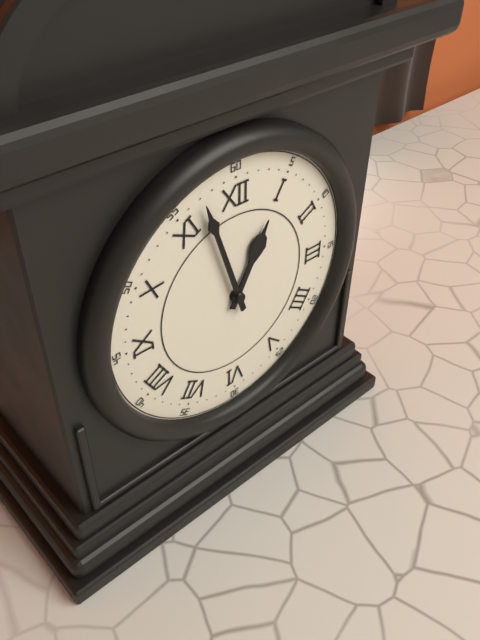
12:57
